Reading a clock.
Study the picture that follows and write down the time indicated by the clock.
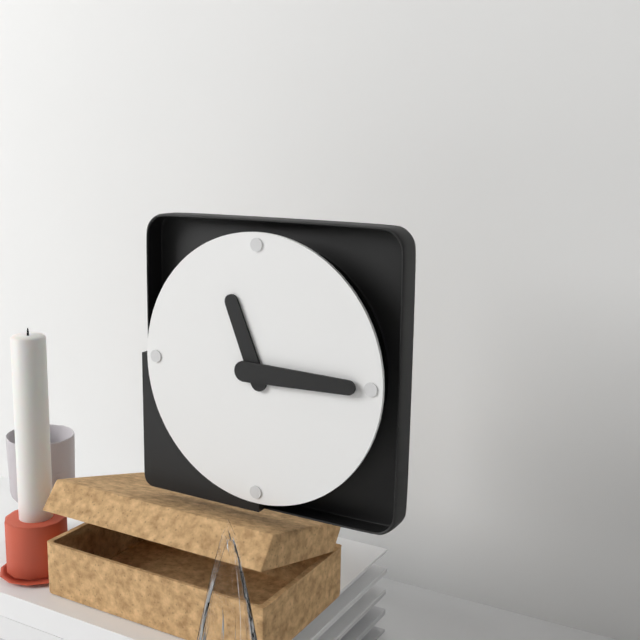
11:15
